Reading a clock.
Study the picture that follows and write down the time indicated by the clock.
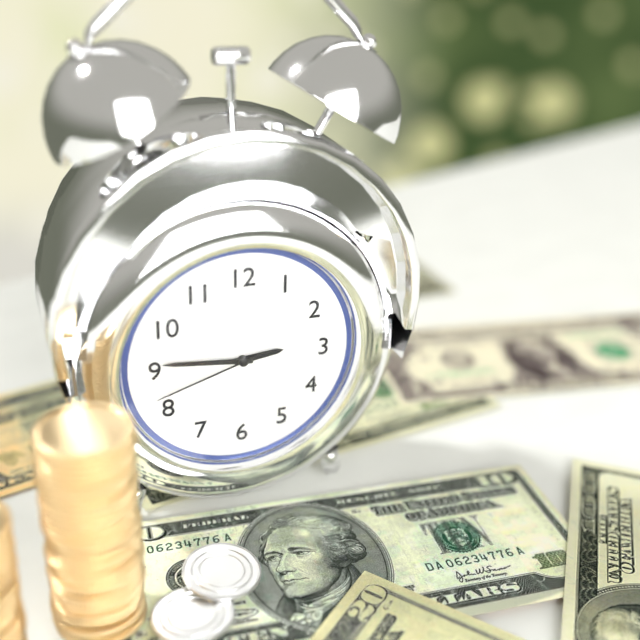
2:46:42
